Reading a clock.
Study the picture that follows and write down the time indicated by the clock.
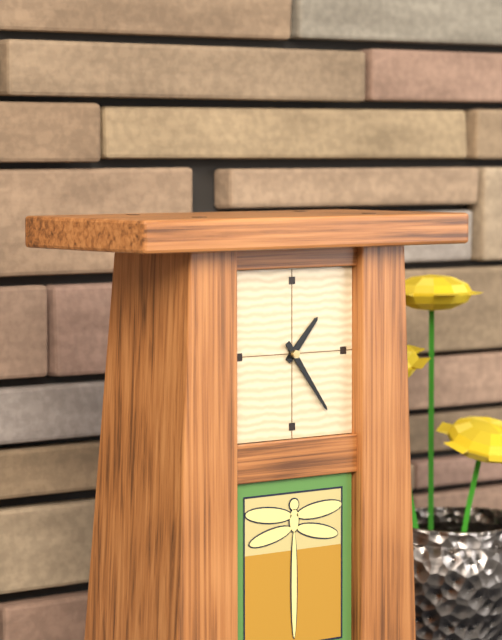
1:24
